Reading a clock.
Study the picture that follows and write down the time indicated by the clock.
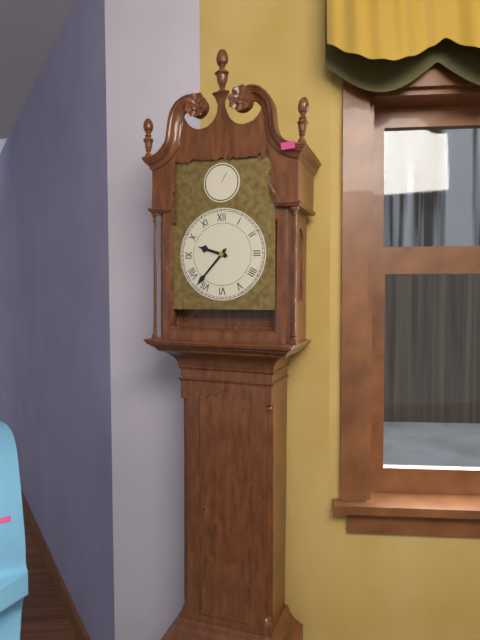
9:37
